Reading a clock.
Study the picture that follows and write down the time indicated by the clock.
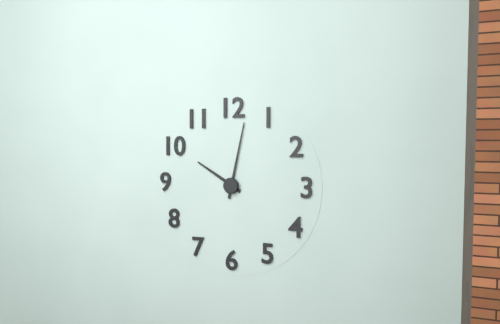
10:02
